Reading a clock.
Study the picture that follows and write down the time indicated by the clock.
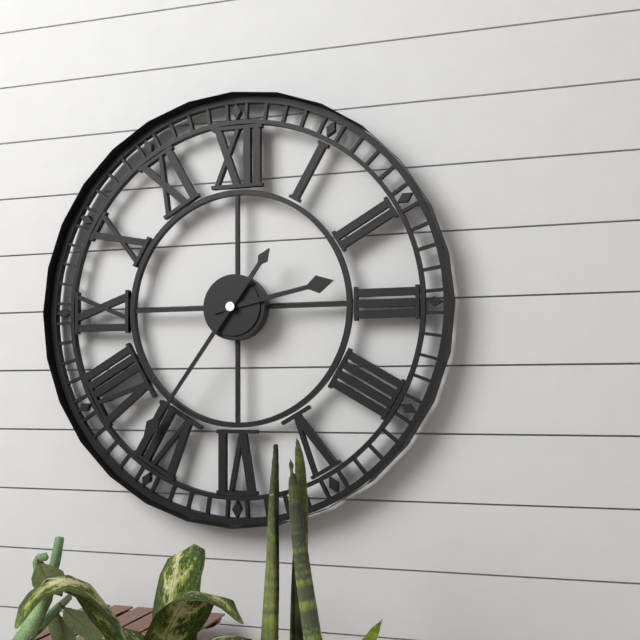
2:36
